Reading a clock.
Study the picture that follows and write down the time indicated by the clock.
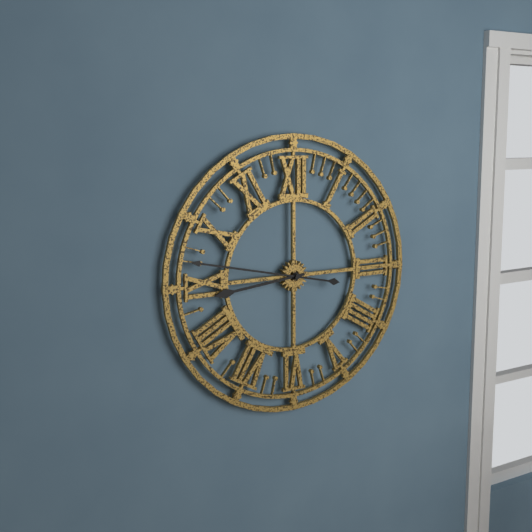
8:47
